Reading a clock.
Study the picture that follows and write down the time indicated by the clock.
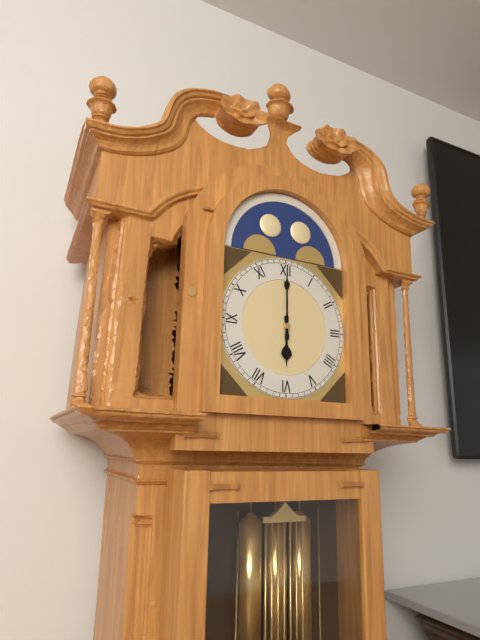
6:00
